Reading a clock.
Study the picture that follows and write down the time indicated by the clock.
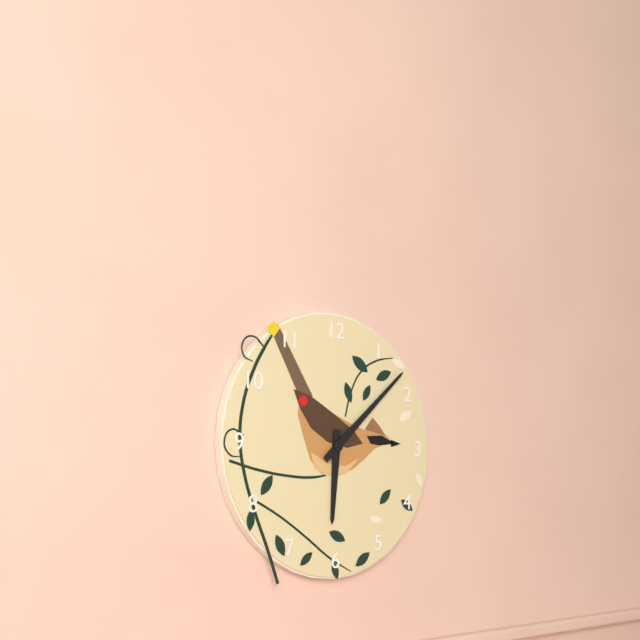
6:08
